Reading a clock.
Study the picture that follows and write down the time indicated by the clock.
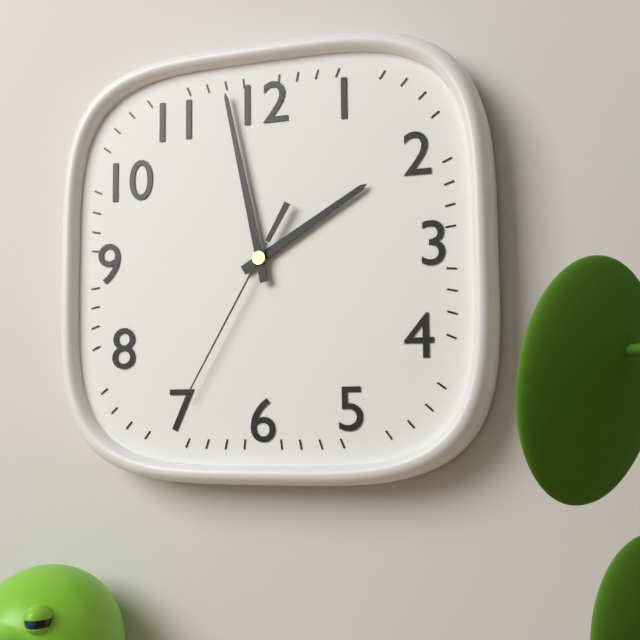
1:58:35
